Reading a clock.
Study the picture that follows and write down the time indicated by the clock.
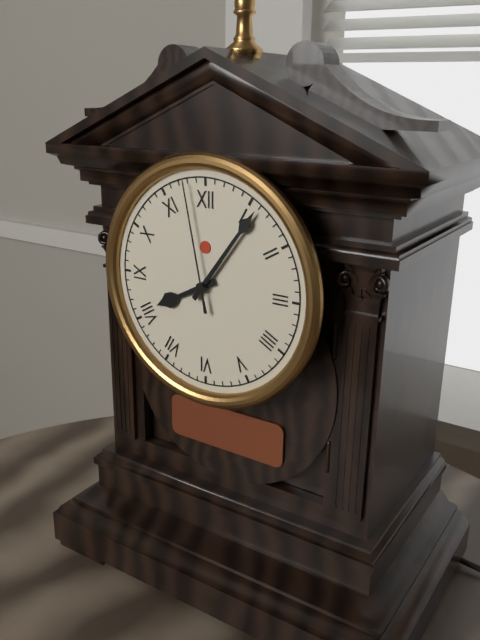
8:06:58
